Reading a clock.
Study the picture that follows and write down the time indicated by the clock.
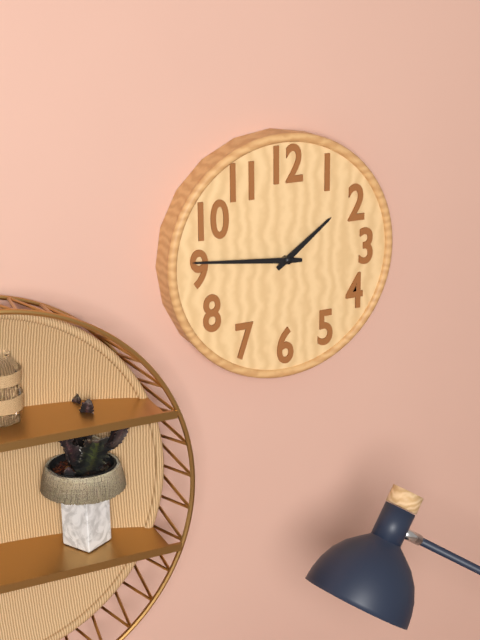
1:46
